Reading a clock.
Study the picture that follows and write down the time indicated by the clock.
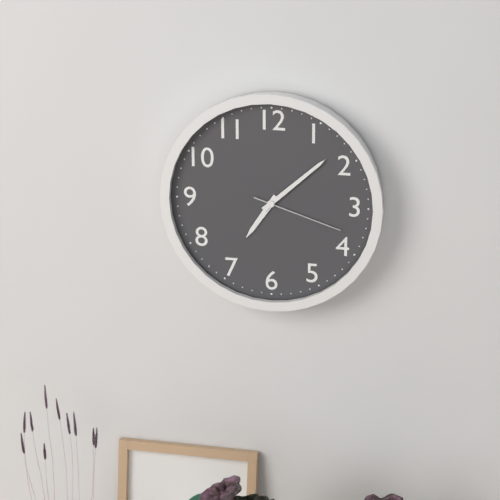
7:08:18
